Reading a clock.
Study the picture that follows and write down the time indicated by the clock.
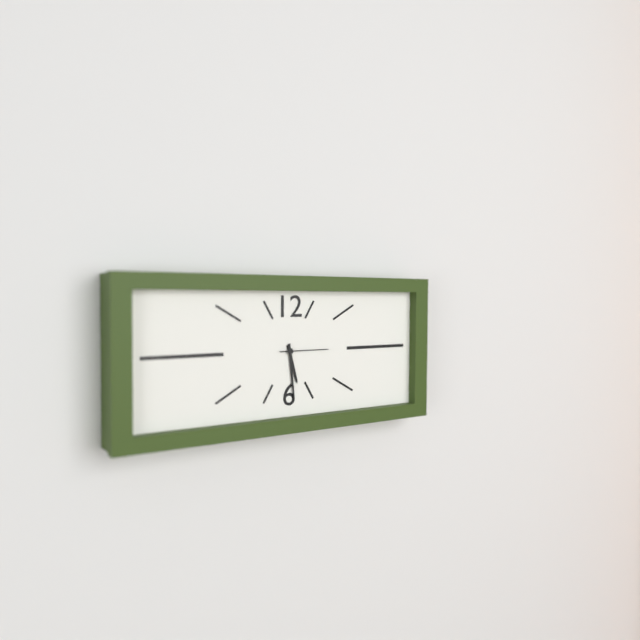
5:29:15
